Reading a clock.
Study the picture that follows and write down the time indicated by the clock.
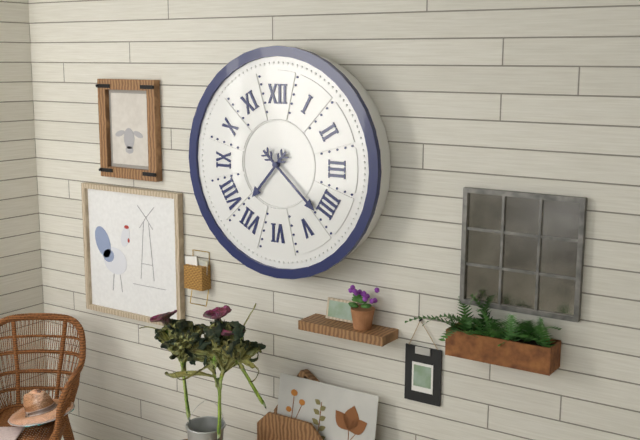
7:22
